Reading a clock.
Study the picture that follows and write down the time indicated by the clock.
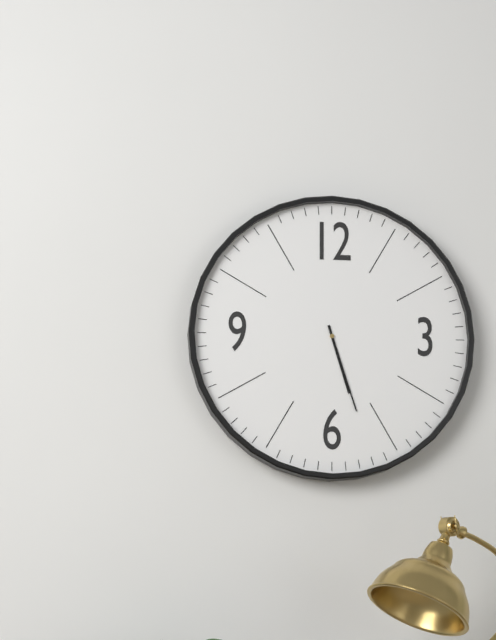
5:27
